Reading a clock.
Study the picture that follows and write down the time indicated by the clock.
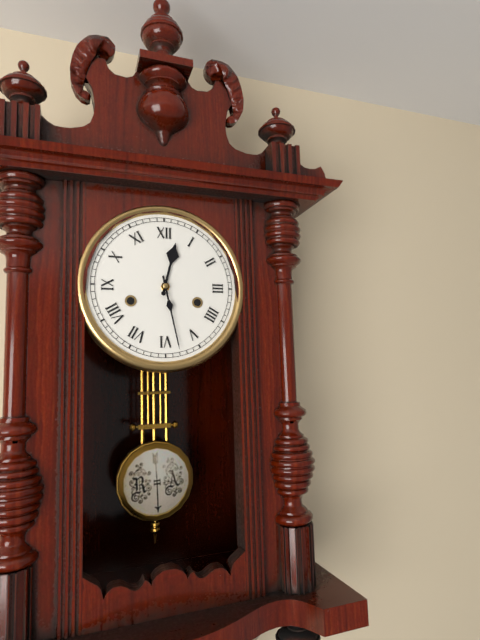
12:28
